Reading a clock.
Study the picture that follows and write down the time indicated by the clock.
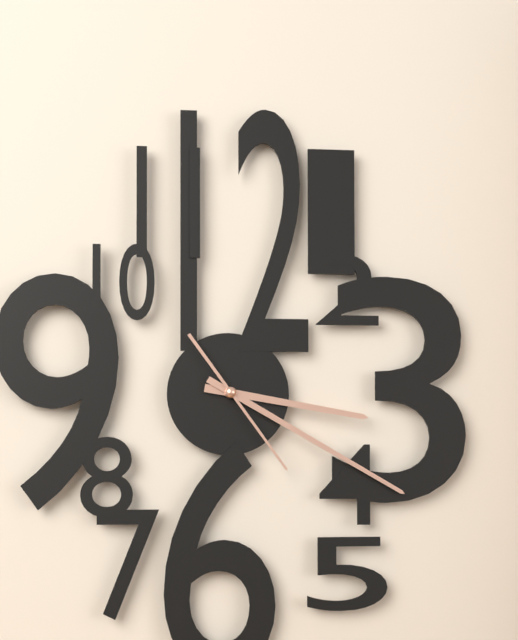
3:20:24
